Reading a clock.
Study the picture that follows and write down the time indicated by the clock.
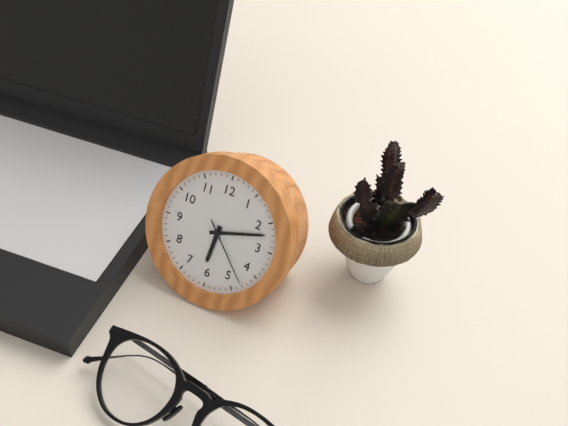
6:12:23
